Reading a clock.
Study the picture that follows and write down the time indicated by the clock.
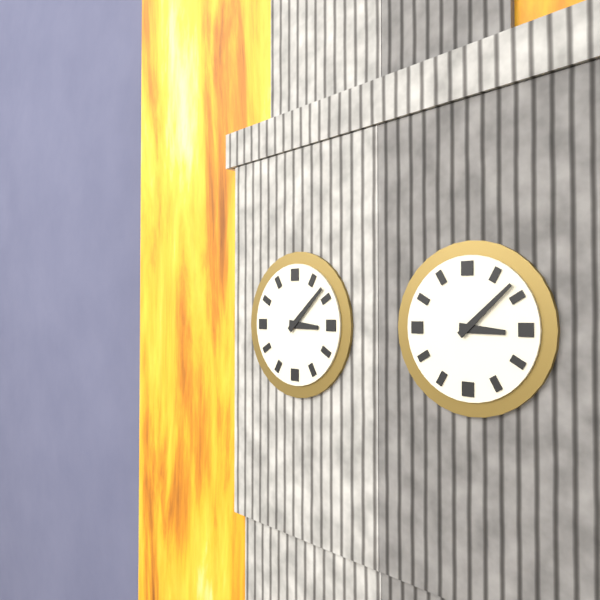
3:08
